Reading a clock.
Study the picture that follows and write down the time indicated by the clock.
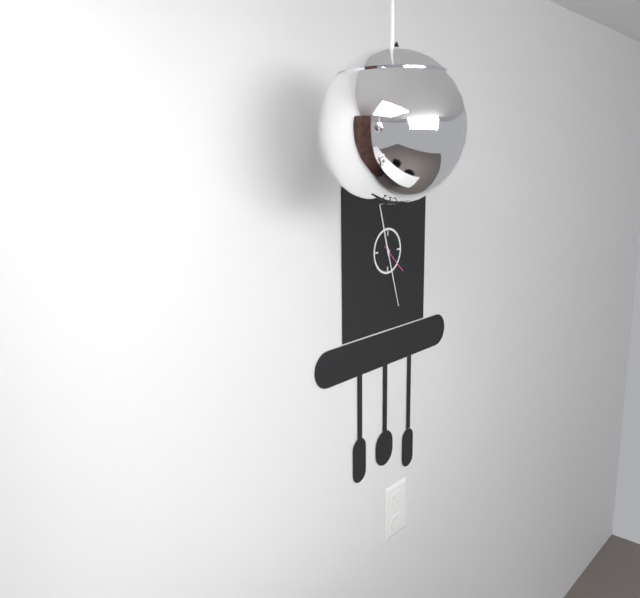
11:27
